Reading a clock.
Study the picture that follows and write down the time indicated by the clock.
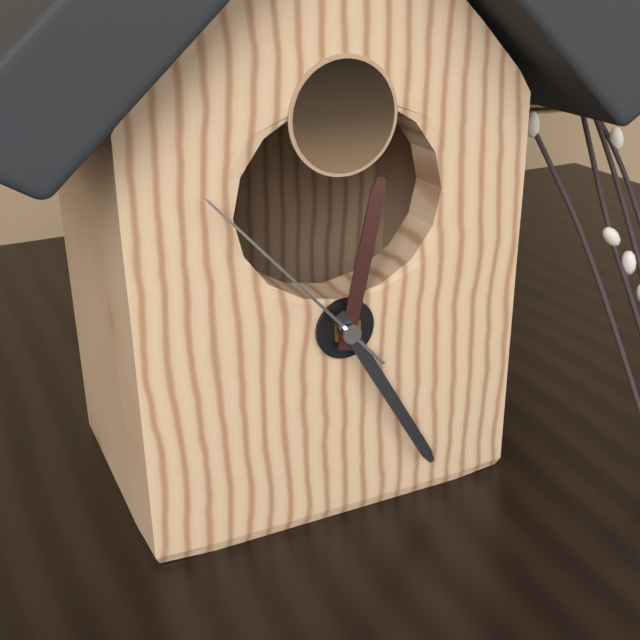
12:25:53
